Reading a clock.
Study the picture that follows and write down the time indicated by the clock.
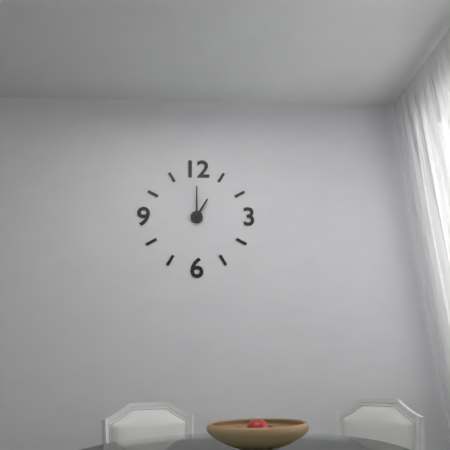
1:00
